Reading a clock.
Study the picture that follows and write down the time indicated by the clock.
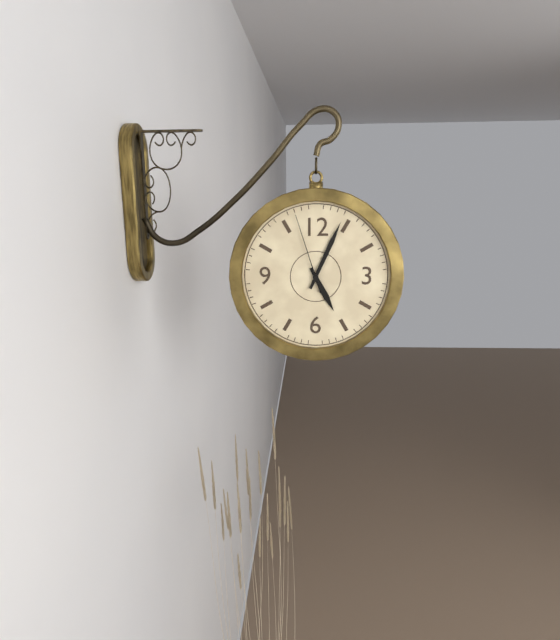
5:04:57
